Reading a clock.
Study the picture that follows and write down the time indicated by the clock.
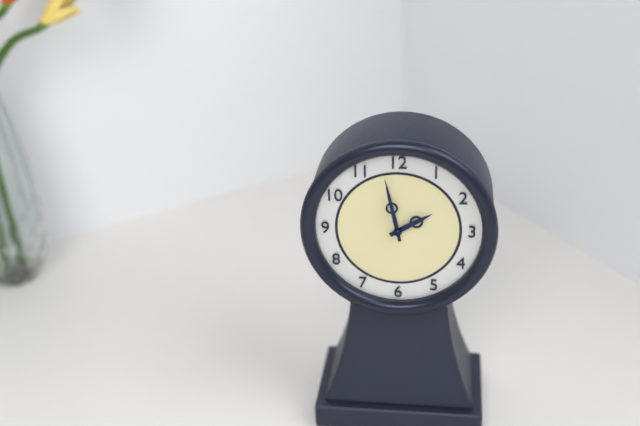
1:58
